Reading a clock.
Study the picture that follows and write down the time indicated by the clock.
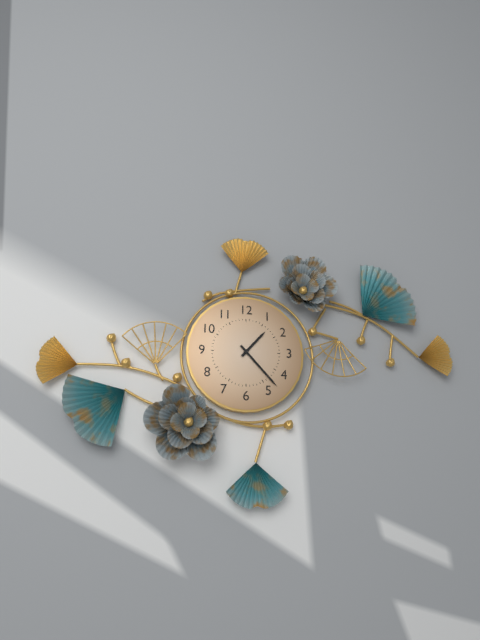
1:23
